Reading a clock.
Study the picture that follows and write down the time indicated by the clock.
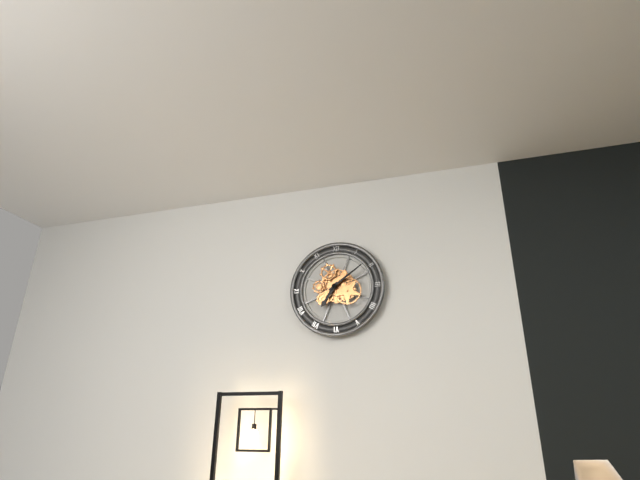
7:09
